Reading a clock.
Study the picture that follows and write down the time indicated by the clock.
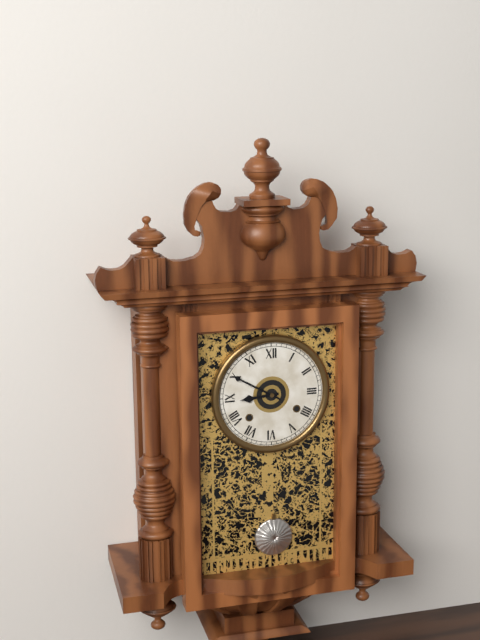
8:50
